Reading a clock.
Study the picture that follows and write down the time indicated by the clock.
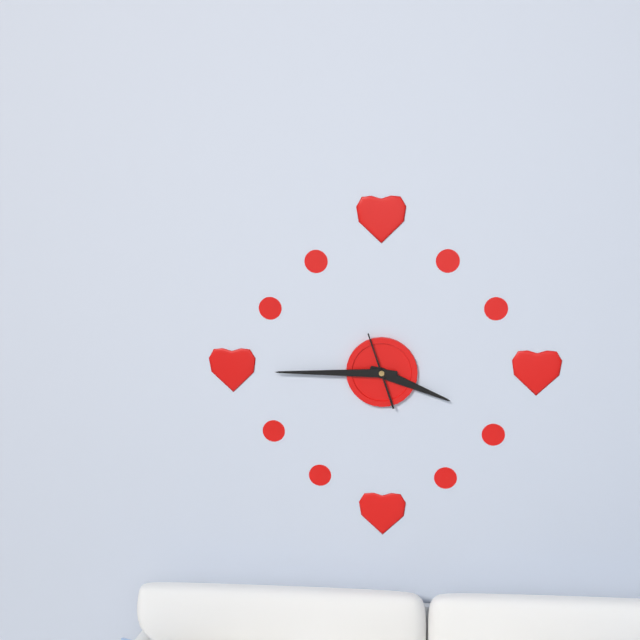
3:45:57
